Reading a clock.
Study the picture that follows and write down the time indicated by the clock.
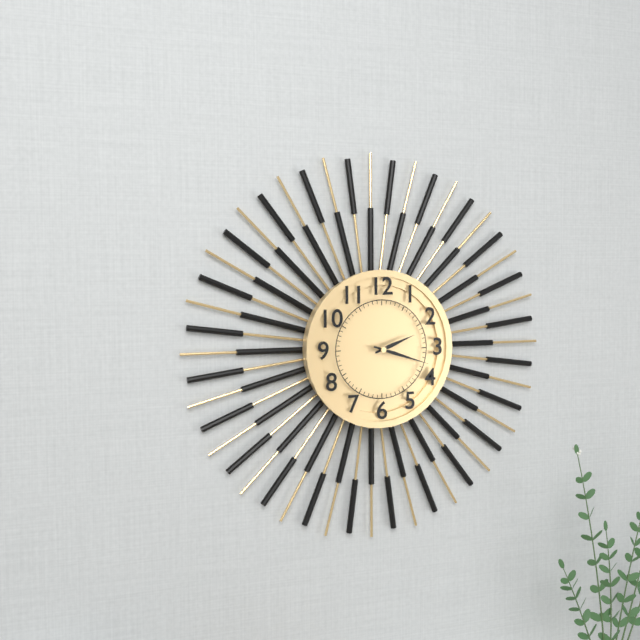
2:18
